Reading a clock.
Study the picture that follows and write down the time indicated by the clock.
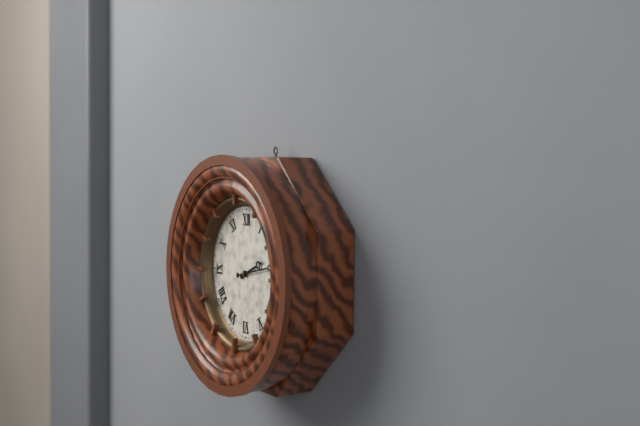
2:13
